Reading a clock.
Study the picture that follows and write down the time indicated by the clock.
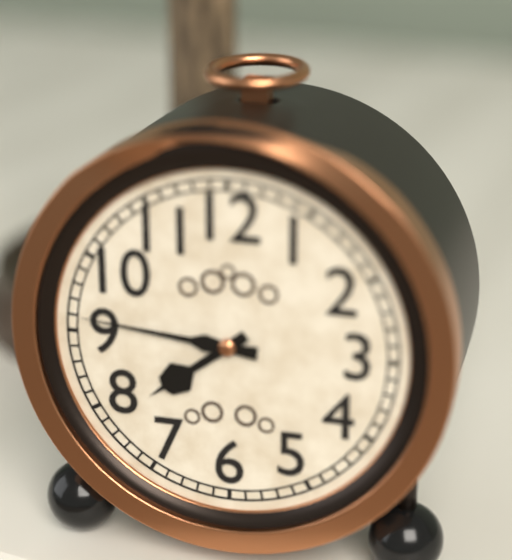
7:46
